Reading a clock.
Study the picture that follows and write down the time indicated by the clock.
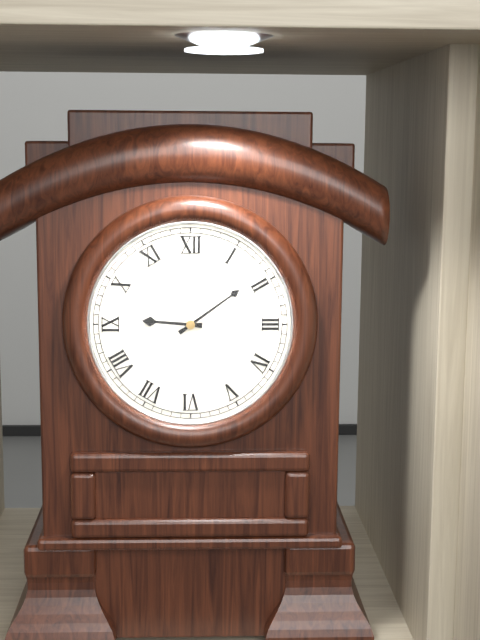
9:09
